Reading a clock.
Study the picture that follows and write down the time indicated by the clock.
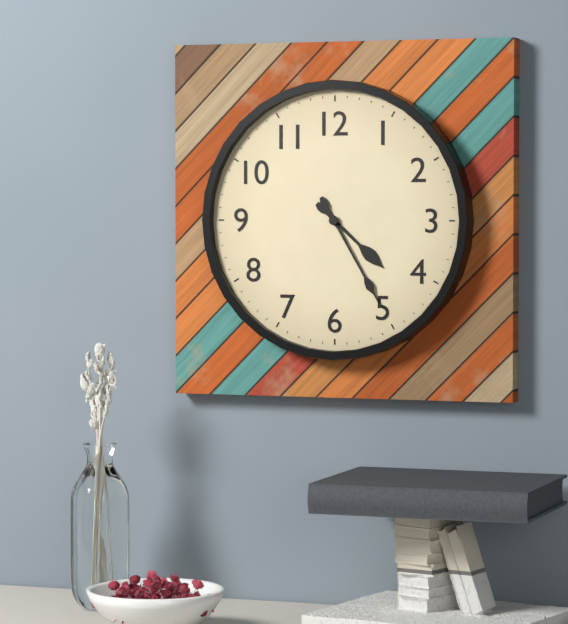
4:25
